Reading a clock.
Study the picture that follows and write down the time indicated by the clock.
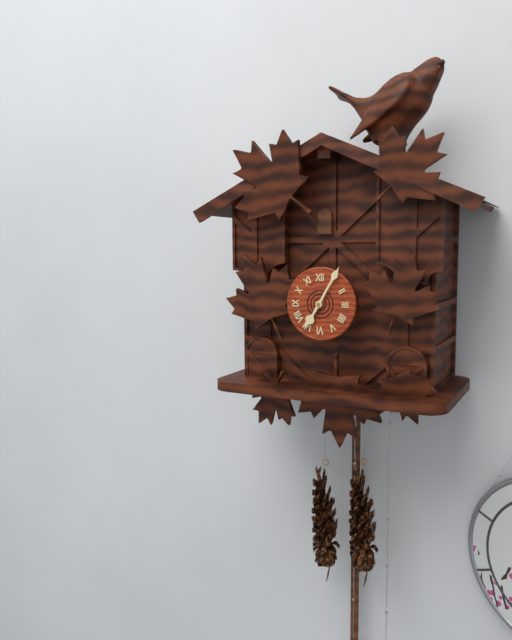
7:05
